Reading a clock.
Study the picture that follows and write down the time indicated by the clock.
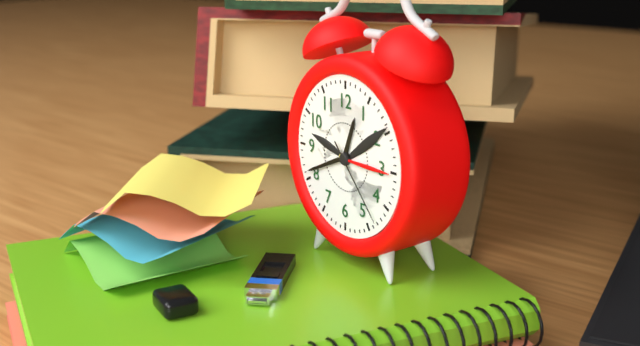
12:41:23
